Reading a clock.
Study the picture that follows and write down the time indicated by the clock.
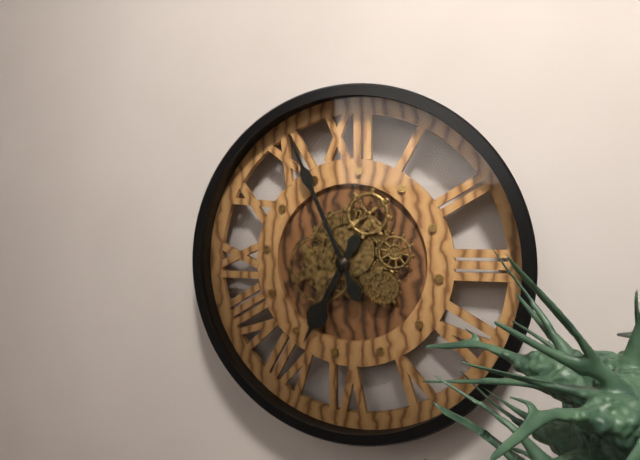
6:56
